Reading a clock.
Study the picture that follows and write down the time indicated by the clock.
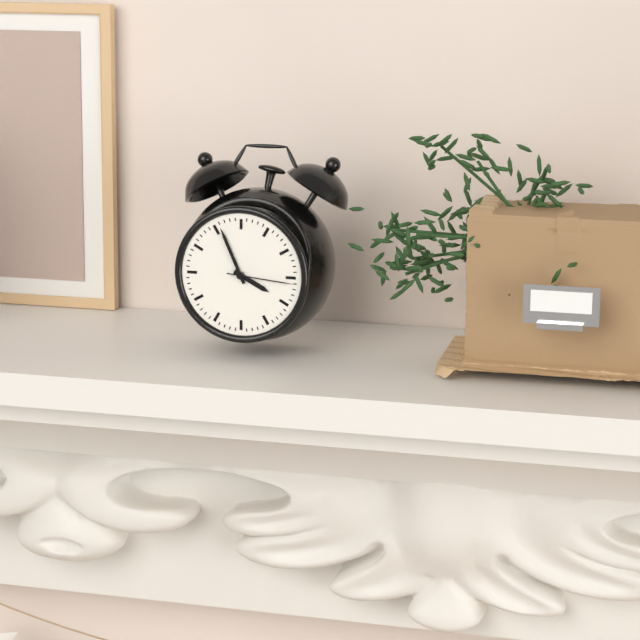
3:56:16
